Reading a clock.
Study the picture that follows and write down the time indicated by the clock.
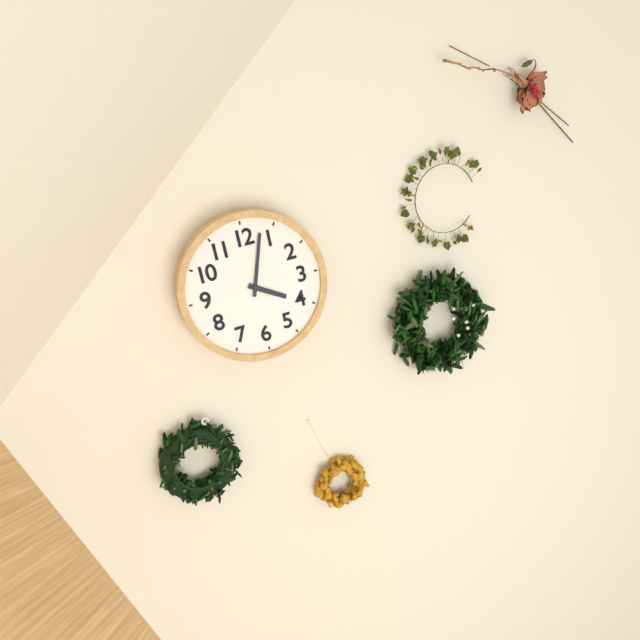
4:03
